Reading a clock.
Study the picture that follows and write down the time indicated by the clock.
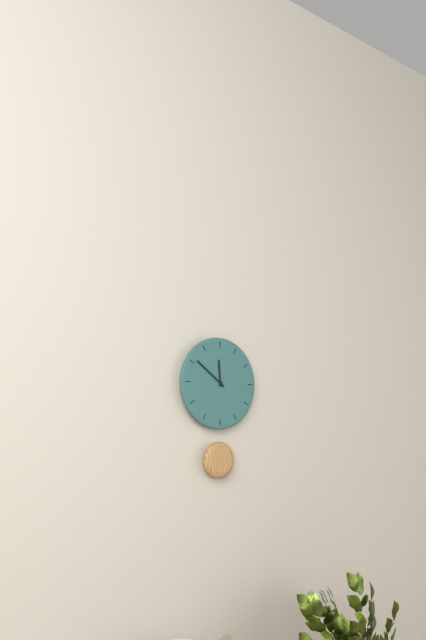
11:51
